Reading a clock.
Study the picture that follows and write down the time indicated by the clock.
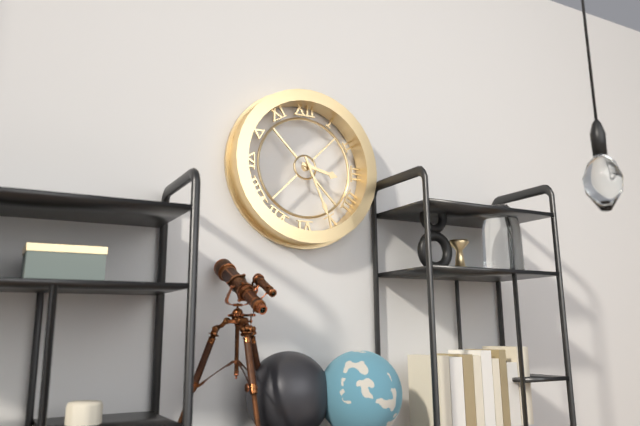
3:26
